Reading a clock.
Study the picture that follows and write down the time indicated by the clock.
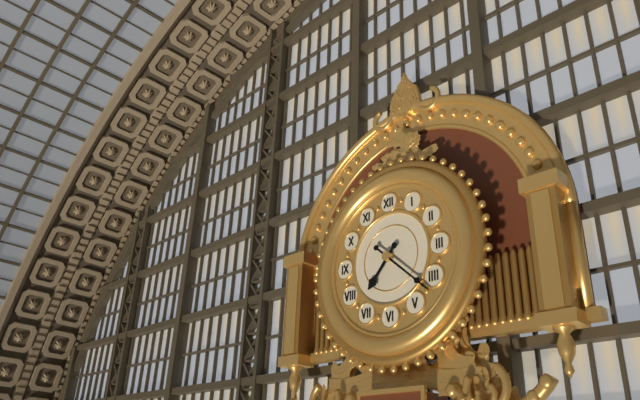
7:22
